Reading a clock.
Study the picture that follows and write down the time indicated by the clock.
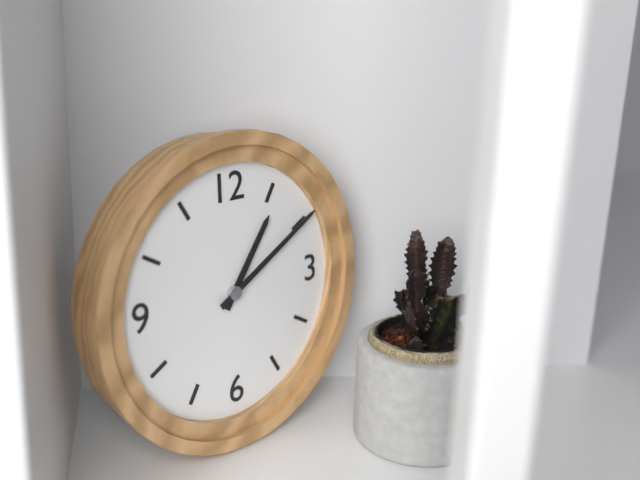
1:10
